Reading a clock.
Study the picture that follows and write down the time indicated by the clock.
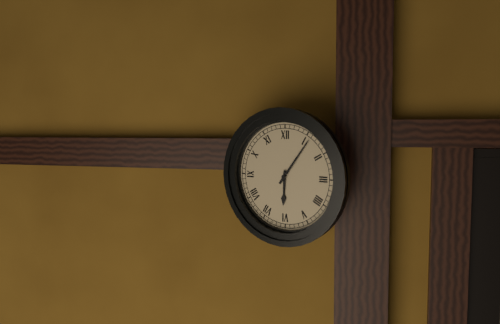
6:06
